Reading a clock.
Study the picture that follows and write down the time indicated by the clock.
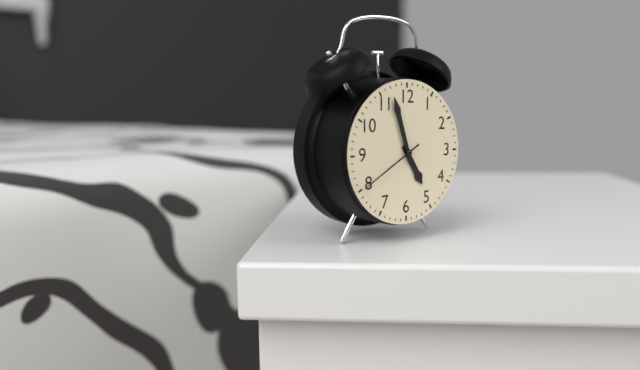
4:57:40
